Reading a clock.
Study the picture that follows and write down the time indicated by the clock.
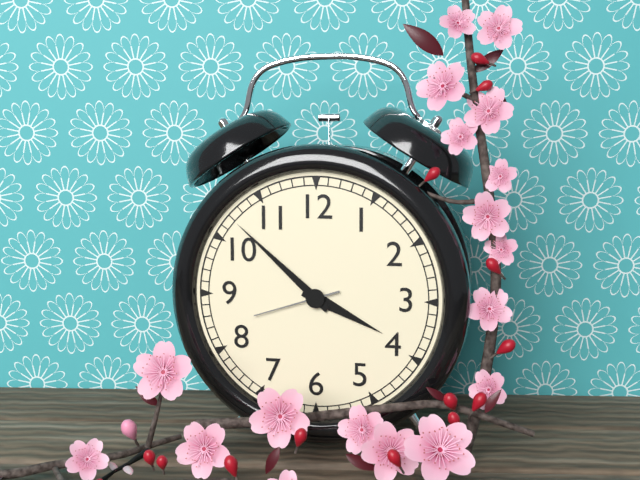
3:52:42
